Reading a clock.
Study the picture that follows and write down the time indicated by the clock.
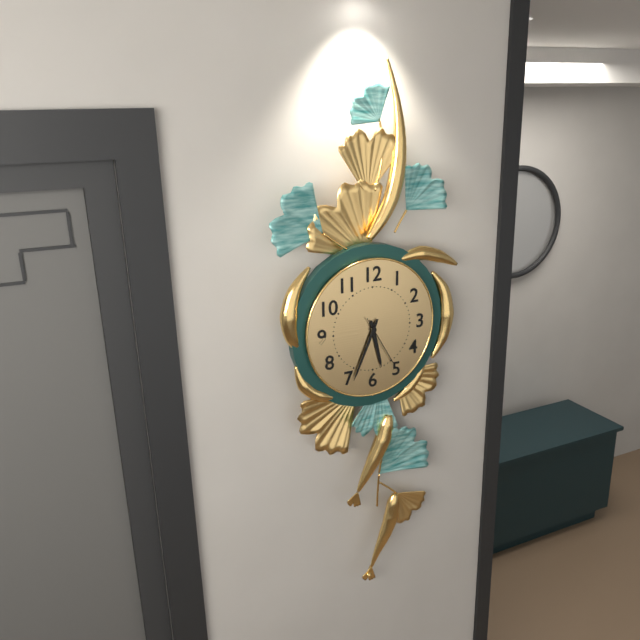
5:34:25
